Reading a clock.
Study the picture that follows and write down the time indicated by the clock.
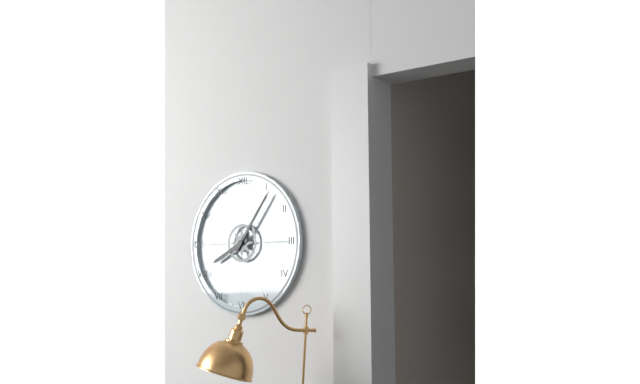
8:06
